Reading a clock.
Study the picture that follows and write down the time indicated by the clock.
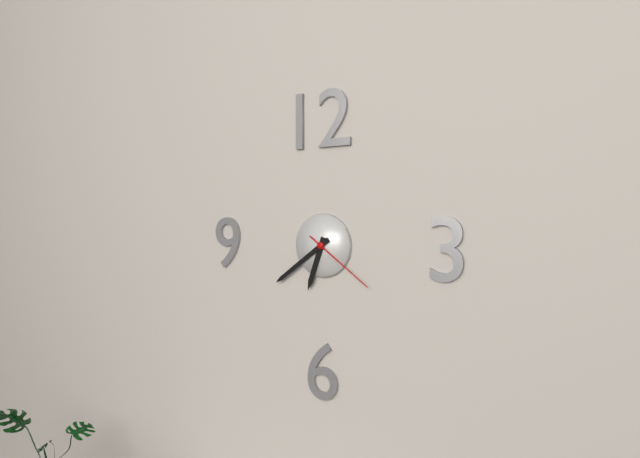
6:39:21
